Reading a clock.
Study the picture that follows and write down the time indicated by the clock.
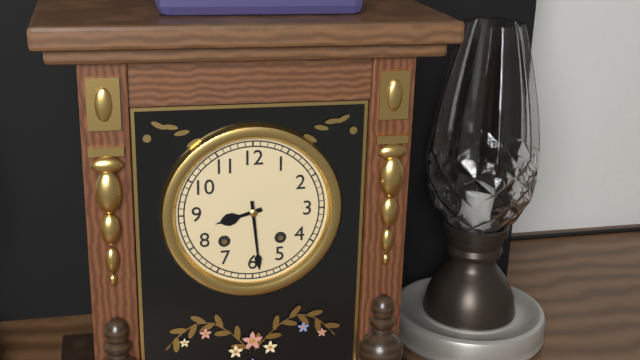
8:29
